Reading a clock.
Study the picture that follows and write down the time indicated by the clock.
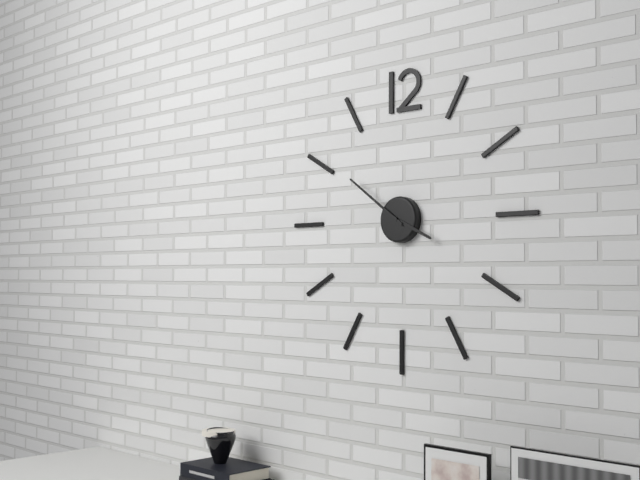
3:51
